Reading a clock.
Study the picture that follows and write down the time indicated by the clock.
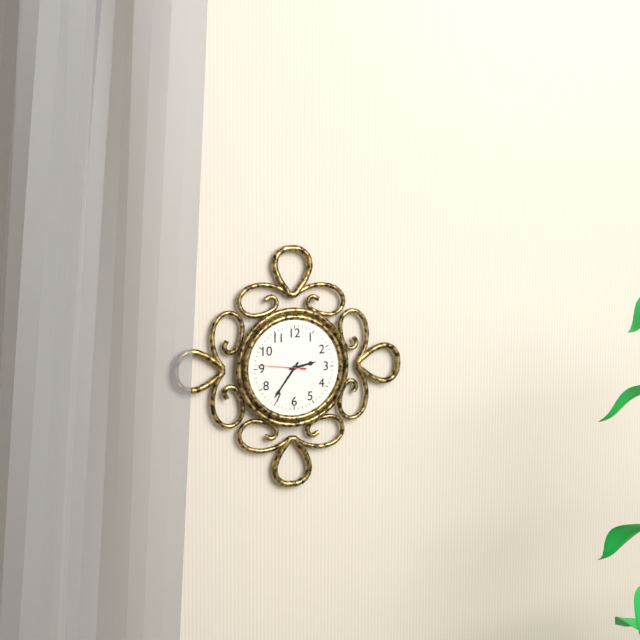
2:36
